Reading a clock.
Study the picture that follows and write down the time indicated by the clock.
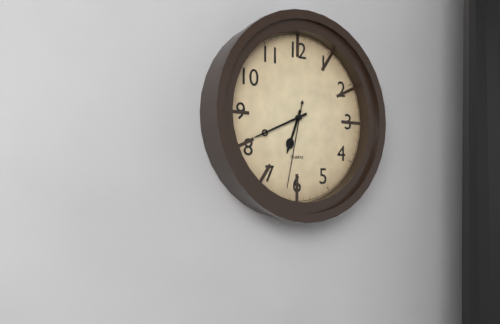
6:41:32
